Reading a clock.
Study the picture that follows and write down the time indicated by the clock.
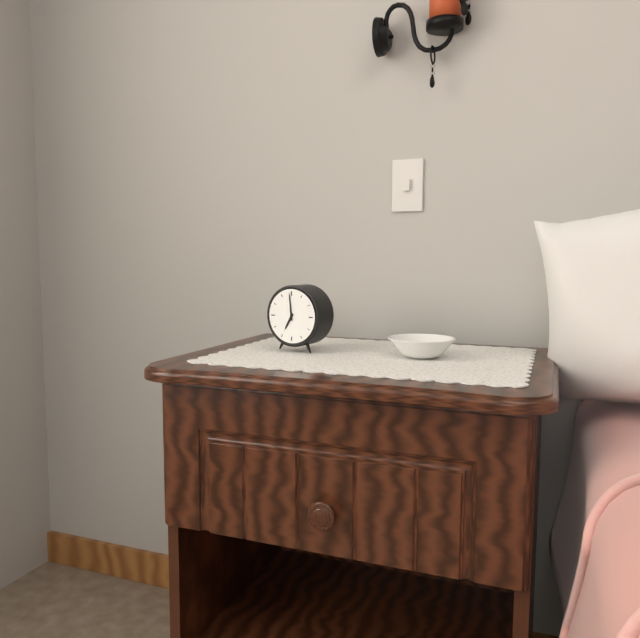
6:59
